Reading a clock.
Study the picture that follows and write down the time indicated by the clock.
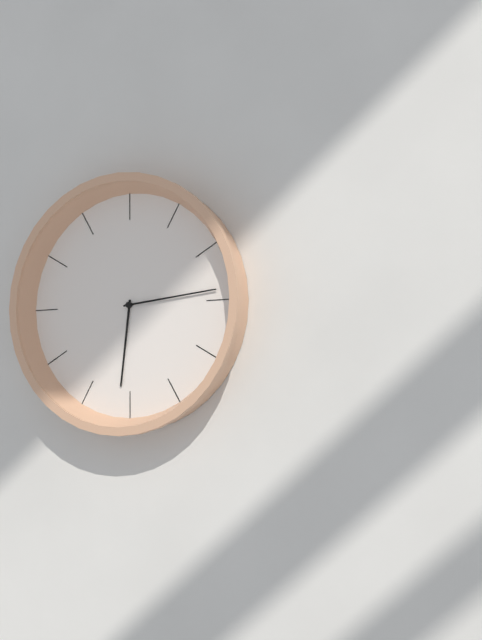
6:14
